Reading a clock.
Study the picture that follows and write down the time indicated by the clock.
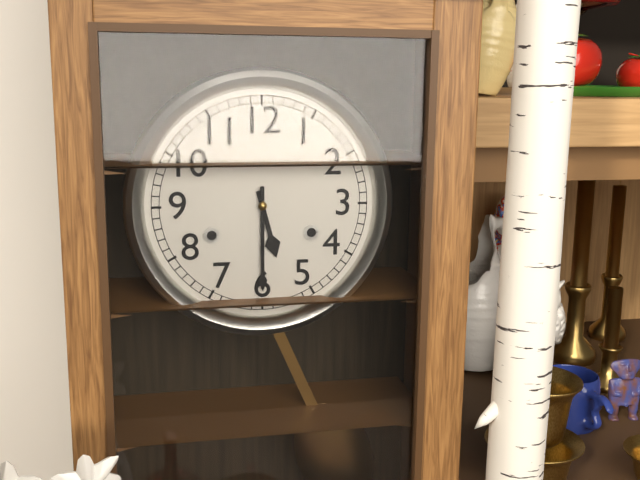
5:30
